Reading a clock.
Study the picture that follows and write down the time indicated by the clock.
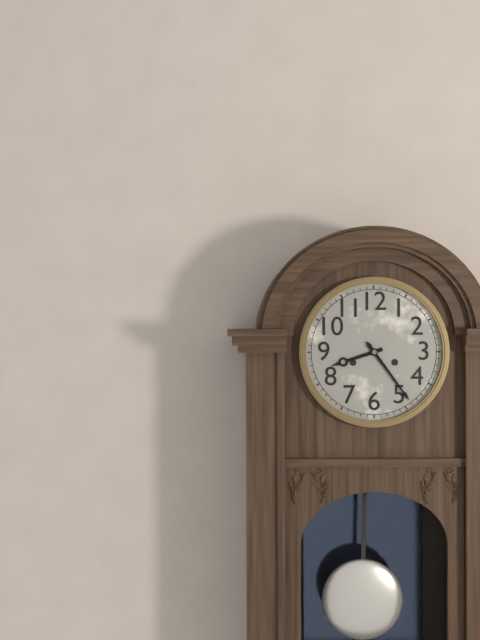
8:24
